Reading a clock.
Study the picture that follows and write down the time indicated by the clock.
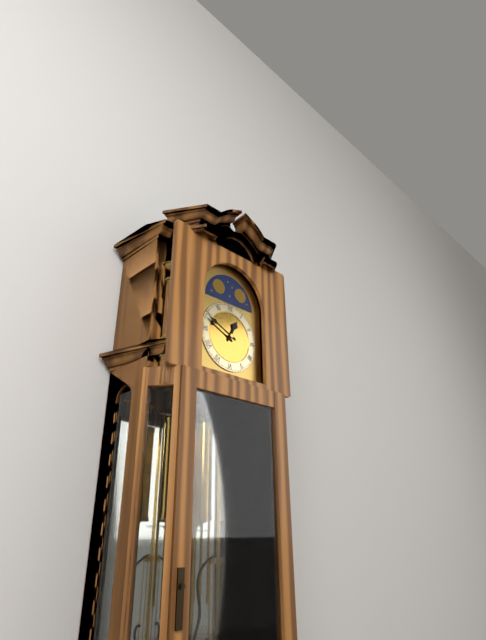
12:49
